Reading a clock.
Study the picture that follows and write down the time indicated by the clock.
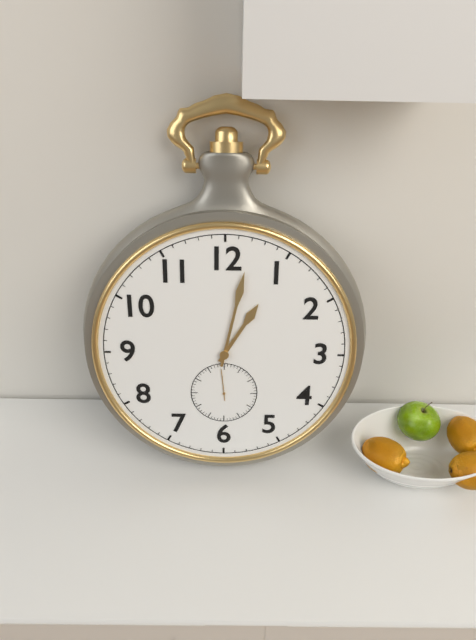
1:02
